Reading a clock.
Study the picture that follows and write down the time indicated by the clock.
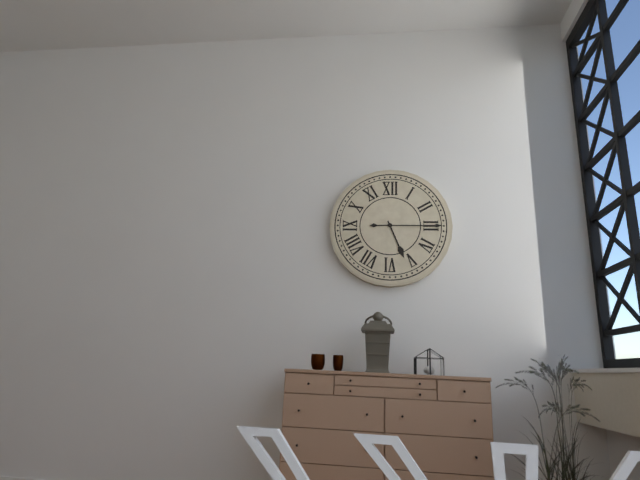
5:15
